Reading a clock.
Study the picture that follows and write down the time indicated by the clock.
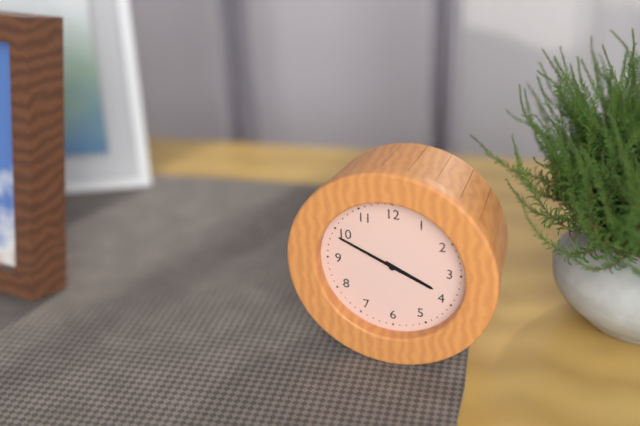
3:49
